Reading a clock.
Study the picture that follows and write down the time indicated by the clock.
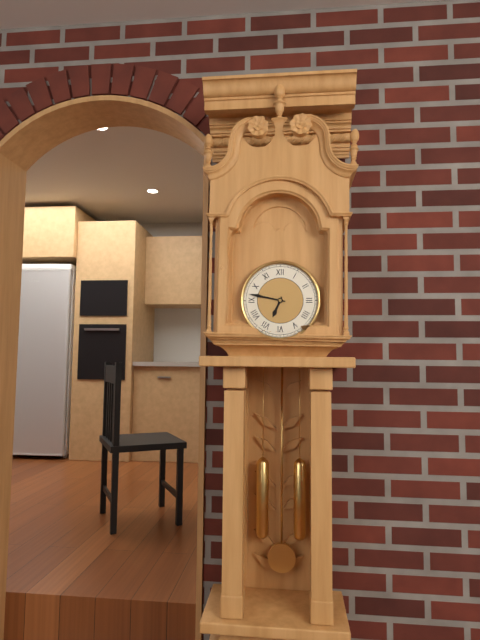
6:47
